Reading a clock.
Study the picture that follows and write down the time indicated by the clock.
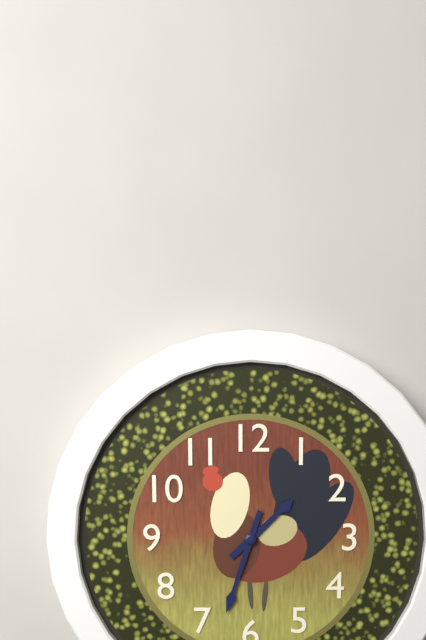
1:33
